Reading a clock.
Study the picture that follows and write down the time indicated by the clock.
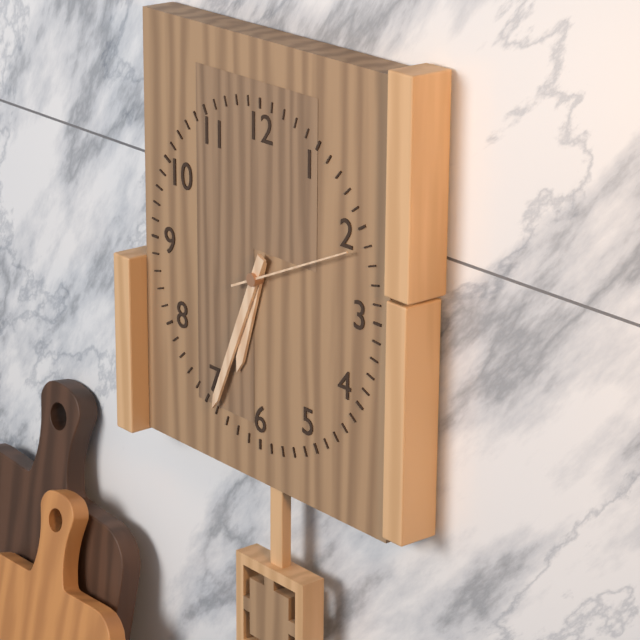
6:34:11
